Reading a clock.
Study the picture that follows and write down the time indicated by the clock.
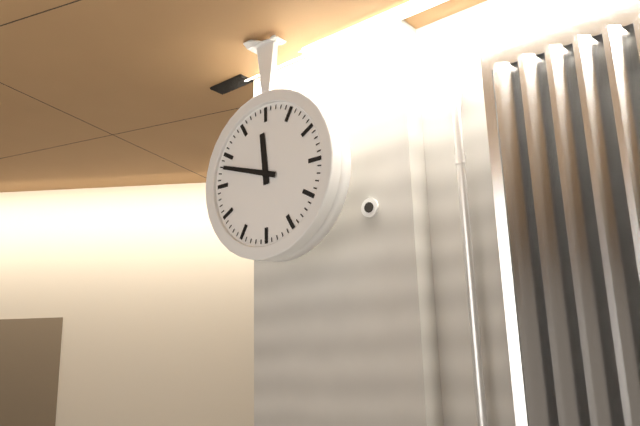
11:48
